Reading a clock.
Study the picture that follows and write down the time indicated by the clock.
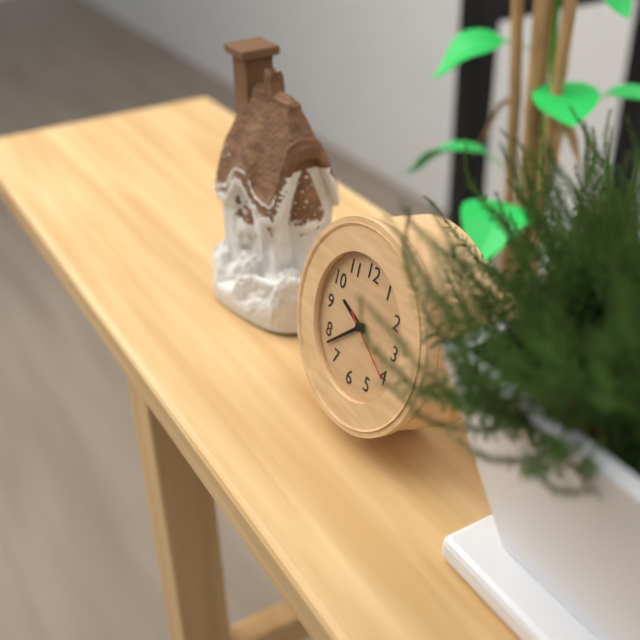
9:38:20
